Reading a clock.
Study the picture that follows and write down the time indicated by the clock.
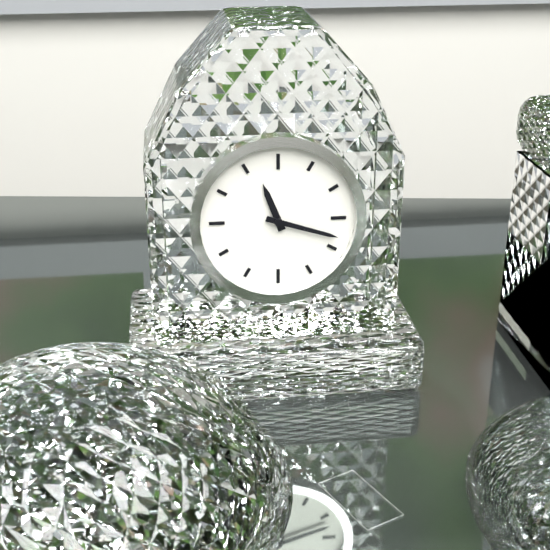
11:18
